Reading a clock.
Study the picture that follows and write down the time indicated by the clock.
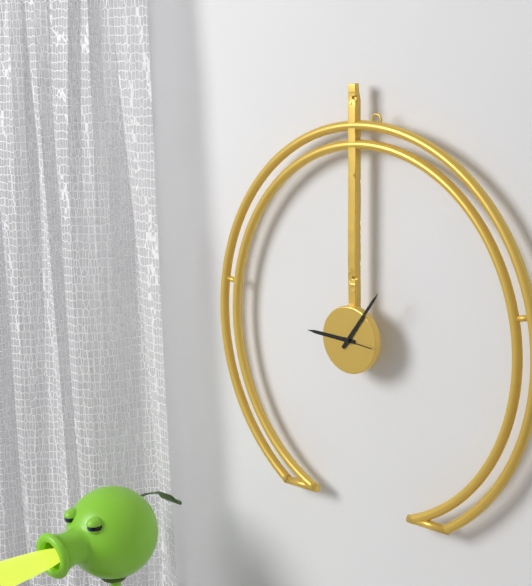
9:06
